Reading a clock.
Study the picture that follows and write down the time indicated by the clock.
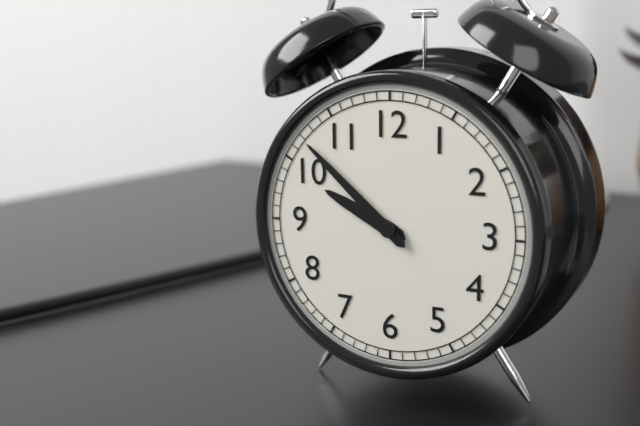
9:52
